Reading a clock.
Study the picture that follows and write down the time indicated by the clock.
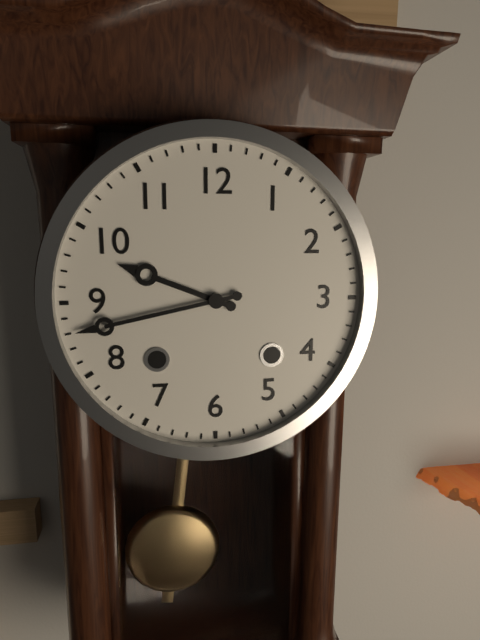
9:43
